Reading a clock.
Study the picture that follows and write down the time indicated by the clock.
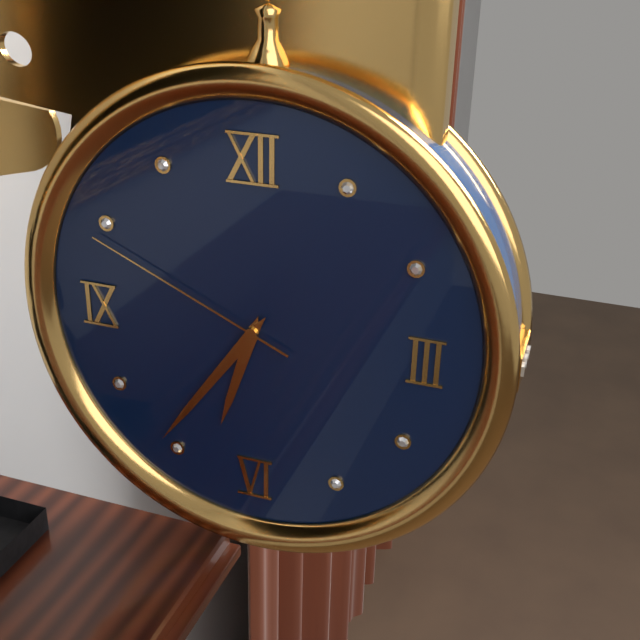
6:36:49
